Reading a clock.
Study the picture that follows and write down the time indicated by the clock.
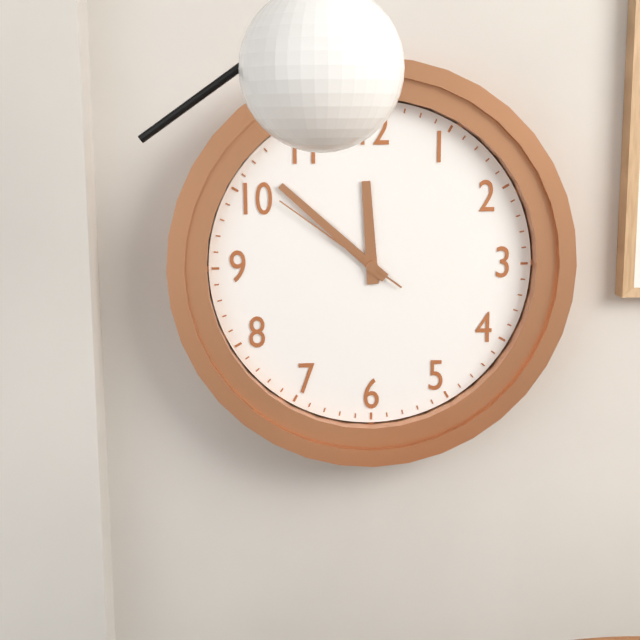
11:52:51
